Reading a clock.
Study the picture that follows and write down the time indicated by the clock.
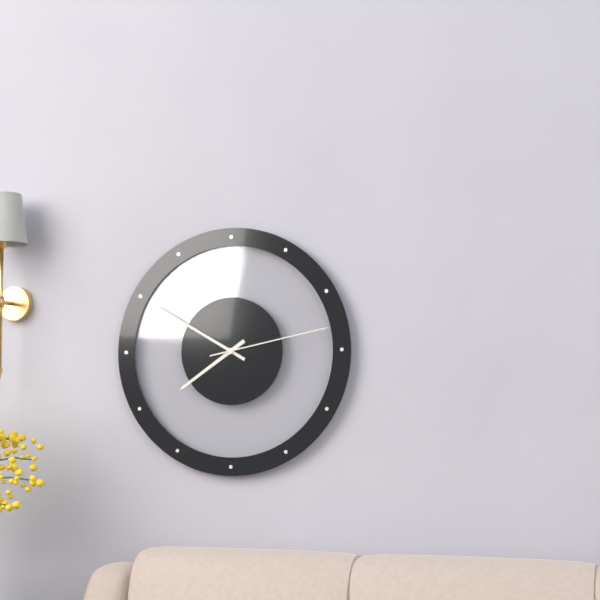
7:50:13
